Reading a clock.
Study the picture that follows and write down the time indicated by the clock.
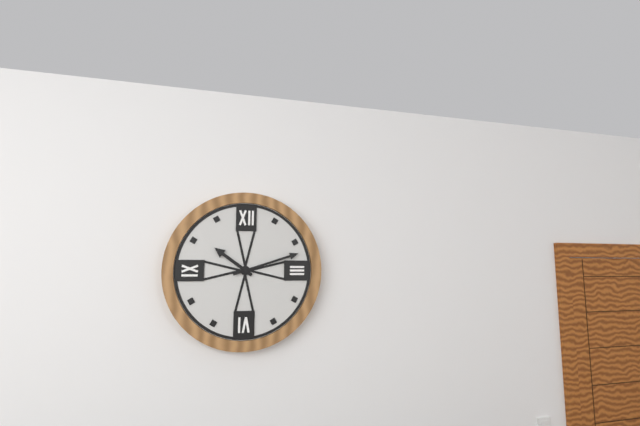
10:12
